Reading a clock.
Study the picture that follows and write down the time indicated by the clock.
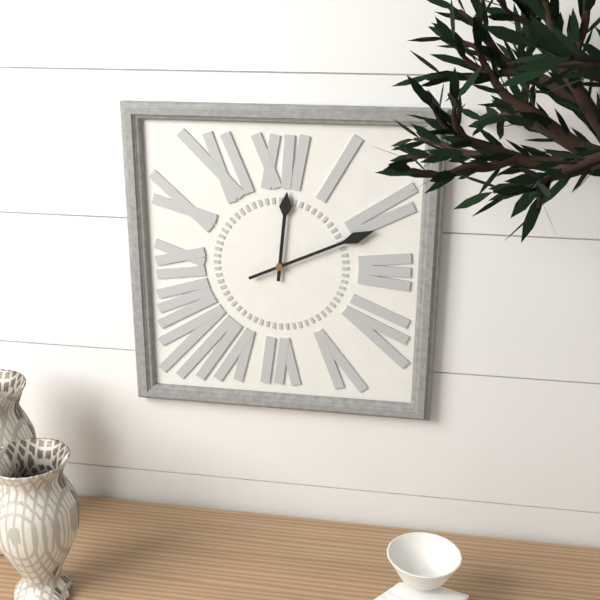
12:11
